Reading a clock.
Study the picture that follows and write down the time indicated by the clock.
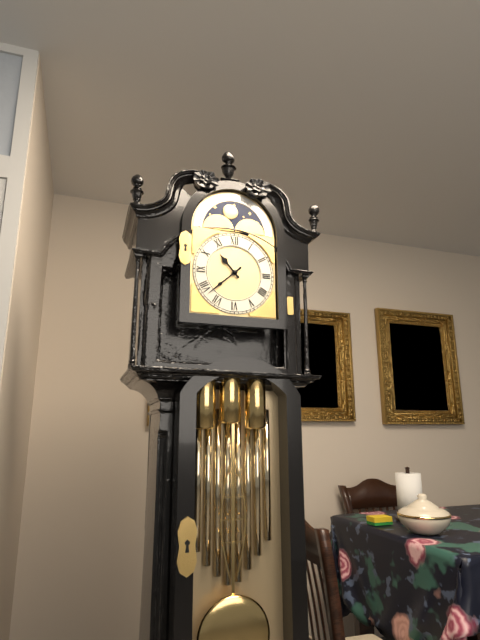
10:38
